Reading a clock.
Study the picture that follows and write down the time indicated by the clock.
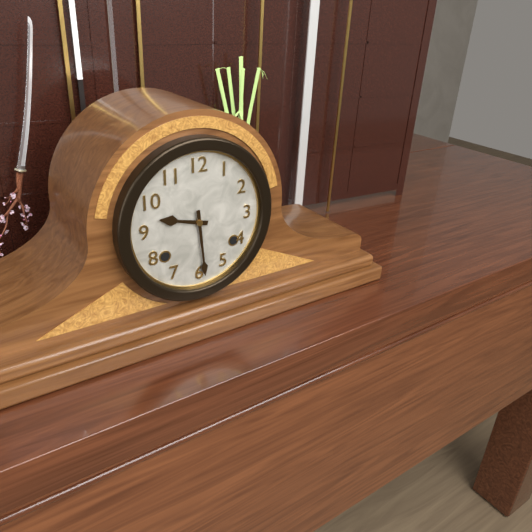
9:29
